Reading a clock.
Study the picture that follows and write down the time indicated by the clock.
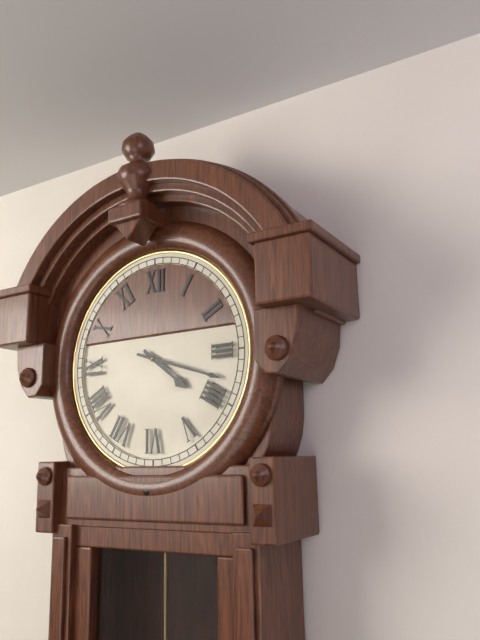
4:18
